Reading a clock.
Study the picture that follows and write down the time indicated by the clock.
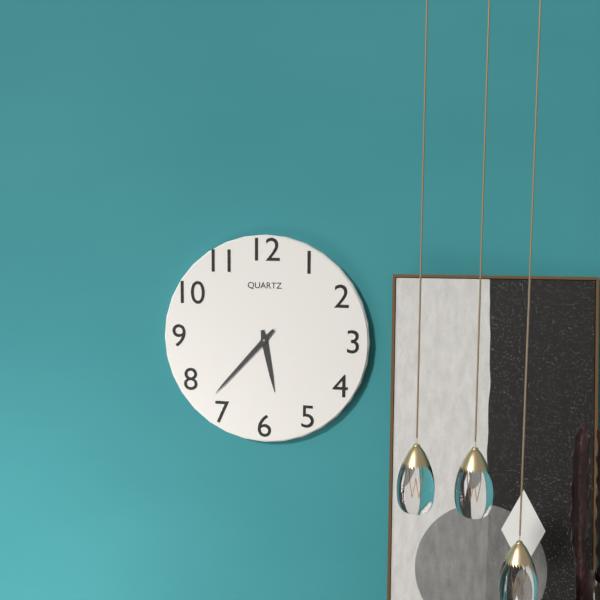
5:37
